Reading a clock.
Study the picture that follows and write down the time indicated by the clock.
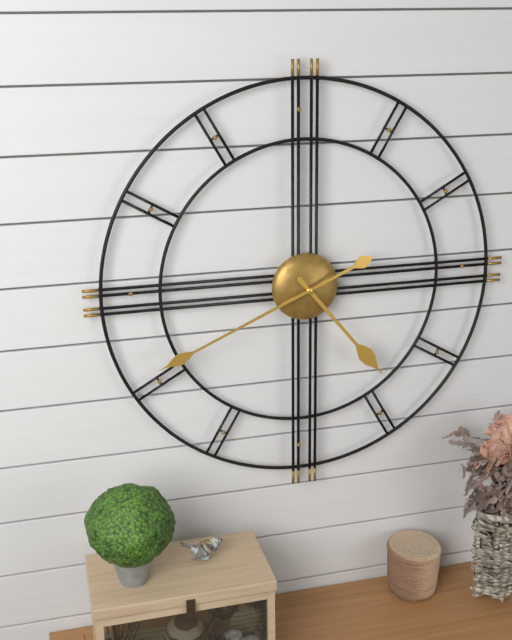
4:41
